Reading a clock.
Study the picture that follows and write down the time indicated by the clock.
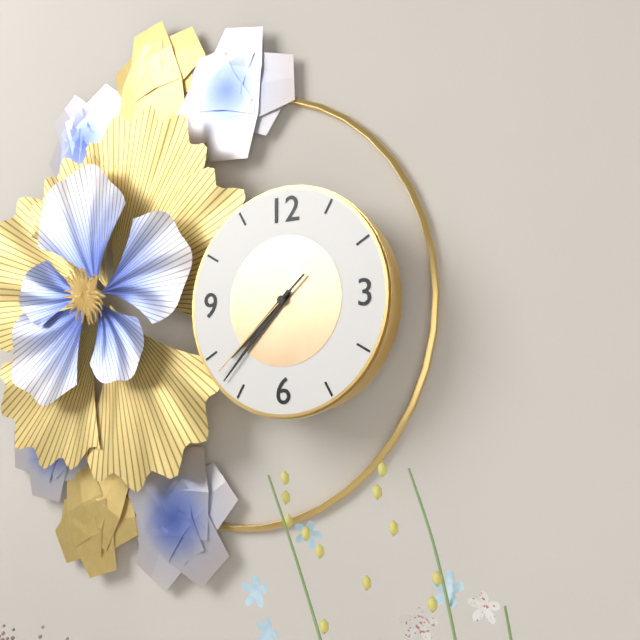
7:37:38
